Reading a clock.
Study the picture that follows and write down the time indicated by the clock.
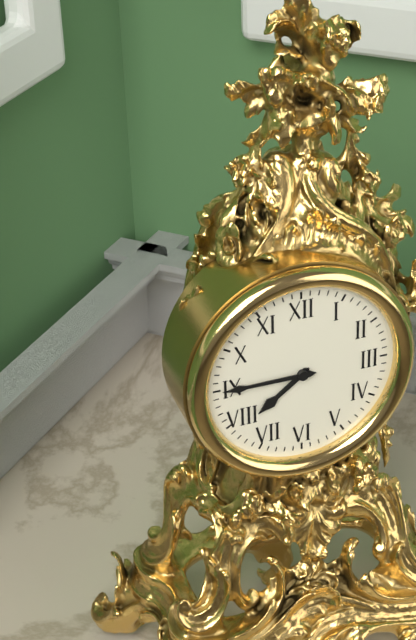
7:45
